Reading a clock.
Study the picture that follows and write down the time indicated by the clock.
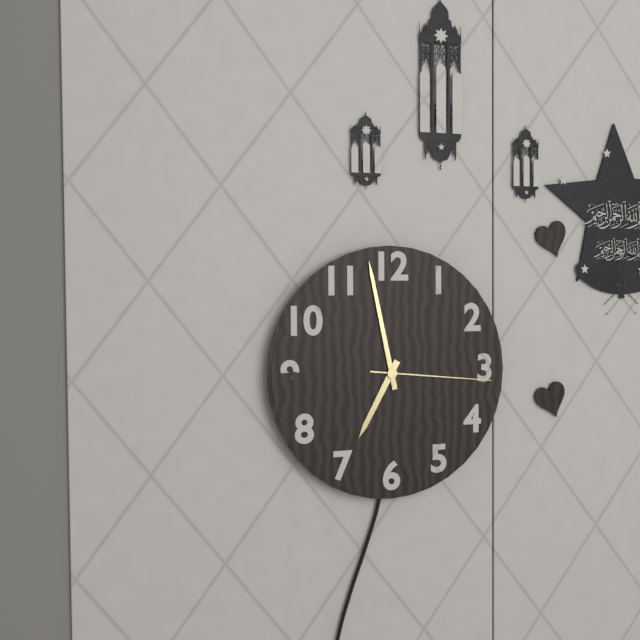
6:58:16
